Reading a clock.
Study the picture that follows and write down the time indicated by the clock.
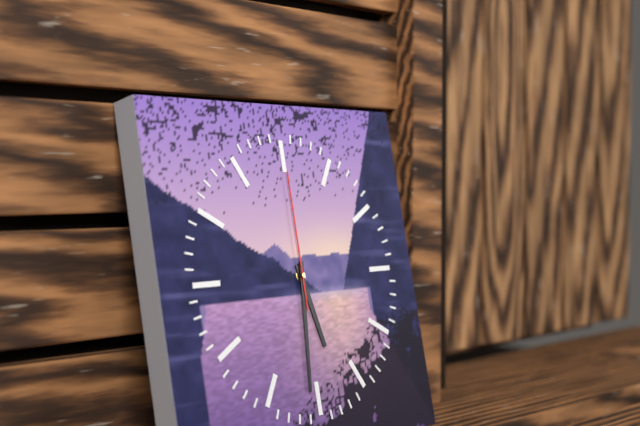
5:31:00
